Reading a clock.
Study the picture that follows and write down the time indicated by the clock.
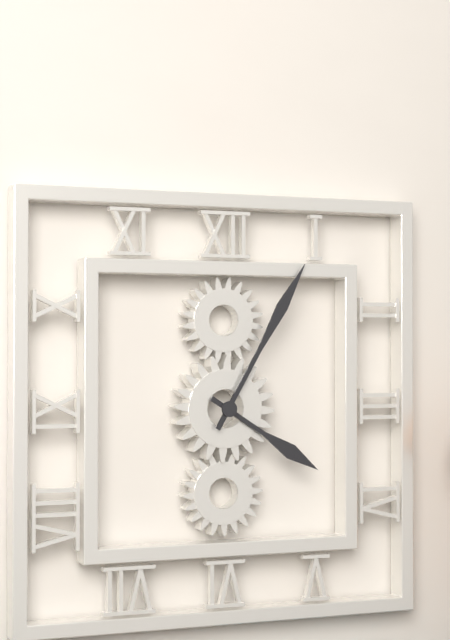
4:05
